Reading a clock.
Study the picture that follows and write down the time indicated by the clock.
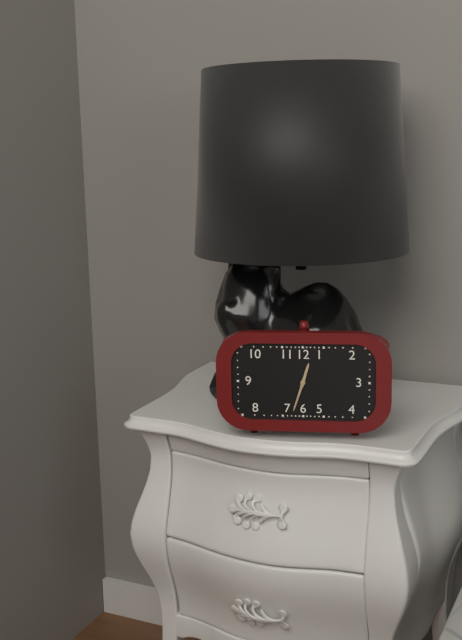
12:33
